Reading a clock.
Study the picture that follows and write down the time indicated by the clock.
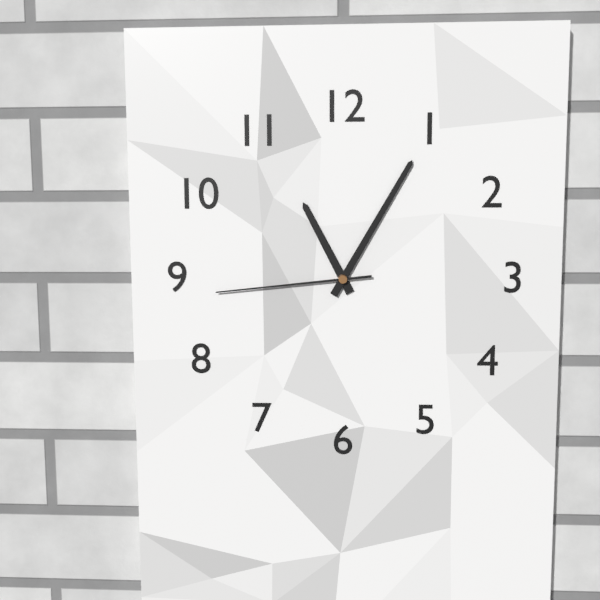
11:05:44
